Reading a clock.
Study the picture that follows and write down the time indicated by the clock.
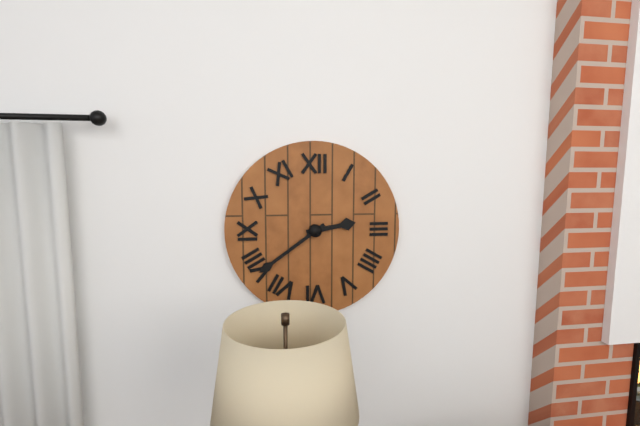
2:39
